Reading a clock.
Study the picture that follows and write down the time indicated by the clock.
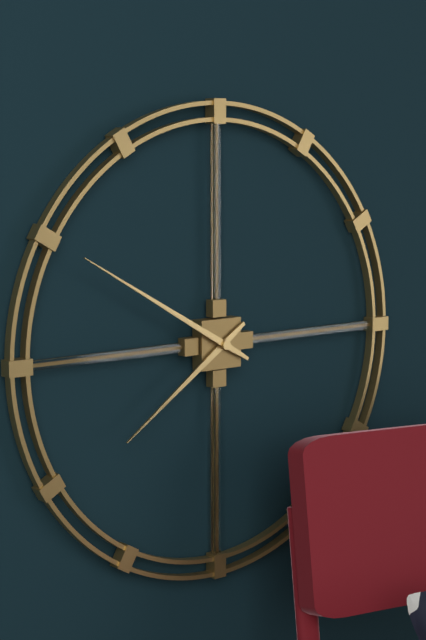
7:50
